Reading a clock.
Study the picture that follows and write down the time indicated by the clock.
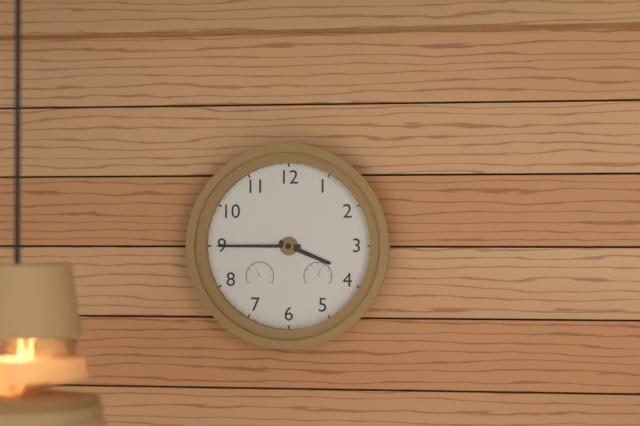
3:45
